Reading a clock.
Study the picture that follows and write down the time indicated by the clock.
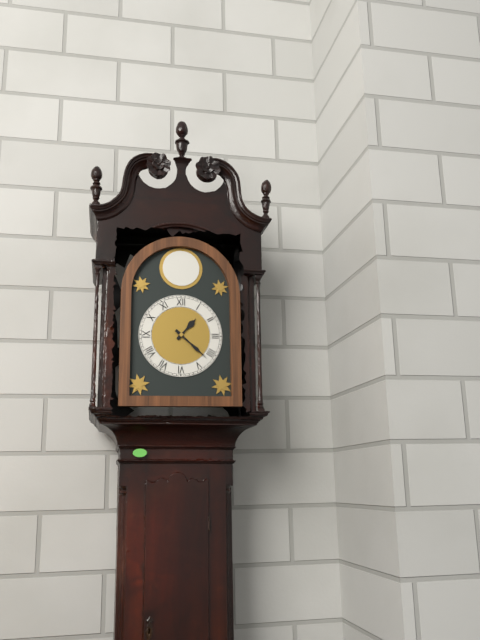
1:22
